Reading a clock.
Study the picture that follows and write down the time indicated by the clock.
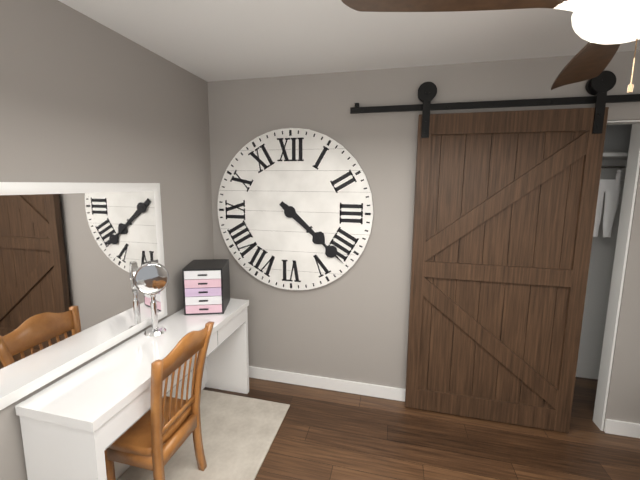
4:22
